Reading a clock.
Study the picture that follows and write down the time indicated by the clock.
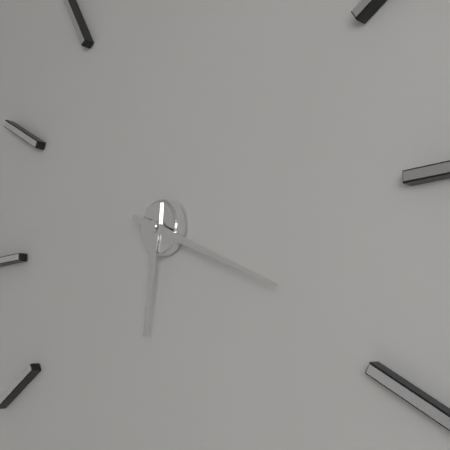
6:19
